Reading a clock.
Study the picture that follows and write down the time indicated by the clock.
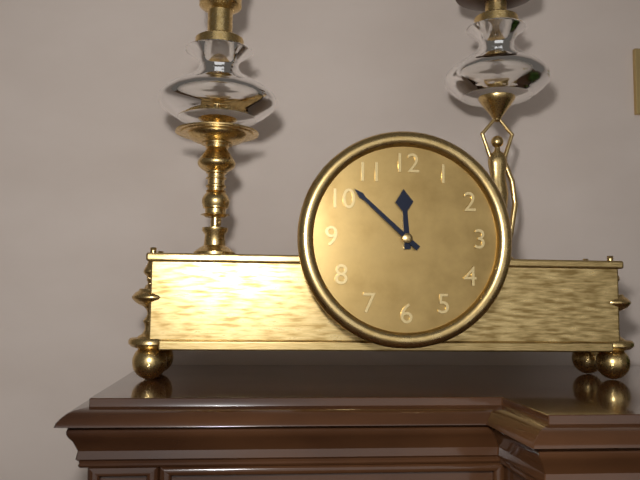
11:52
